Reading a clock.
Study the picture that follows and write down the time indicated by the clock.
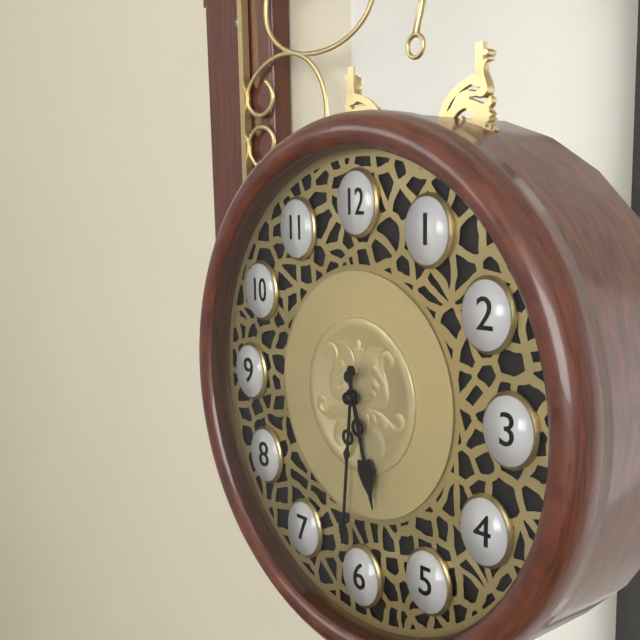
5:31
